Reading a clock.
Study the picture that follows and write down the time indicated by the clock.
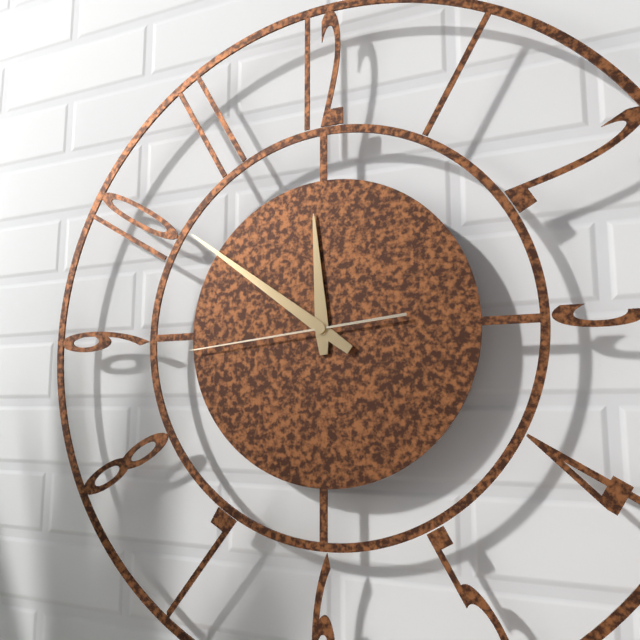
11:51:44
